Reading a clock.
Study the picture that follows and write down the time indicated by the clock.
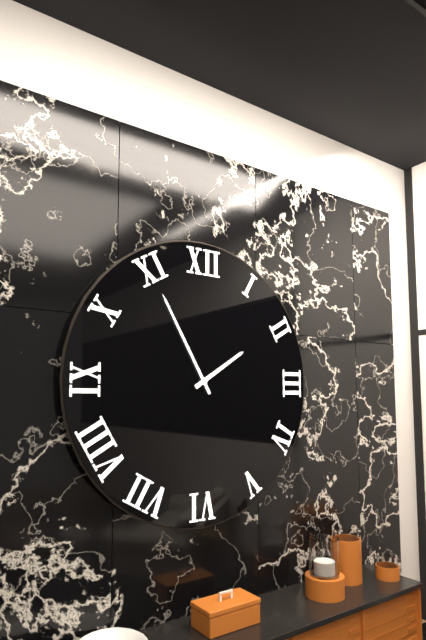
1:55
